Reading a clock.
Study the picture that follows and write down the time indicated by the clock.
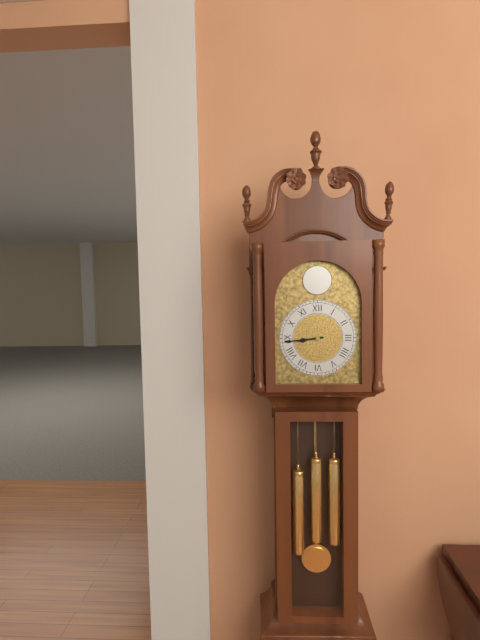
8:44
